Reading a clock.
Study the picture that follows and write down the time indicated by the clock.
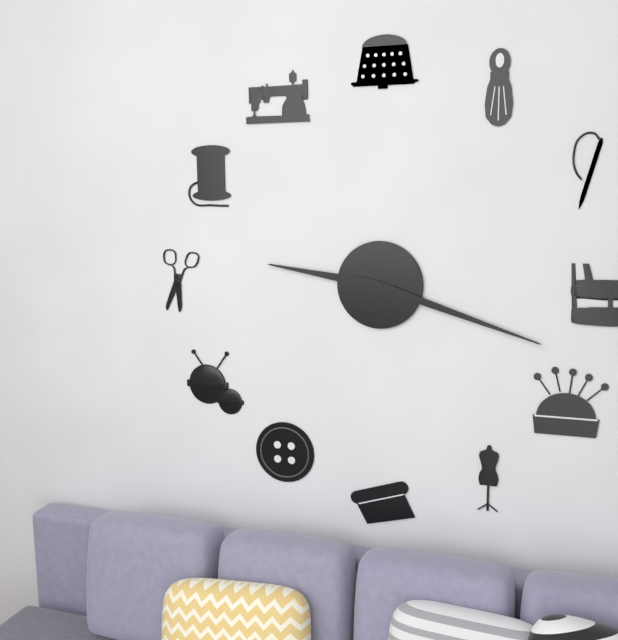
9:18
